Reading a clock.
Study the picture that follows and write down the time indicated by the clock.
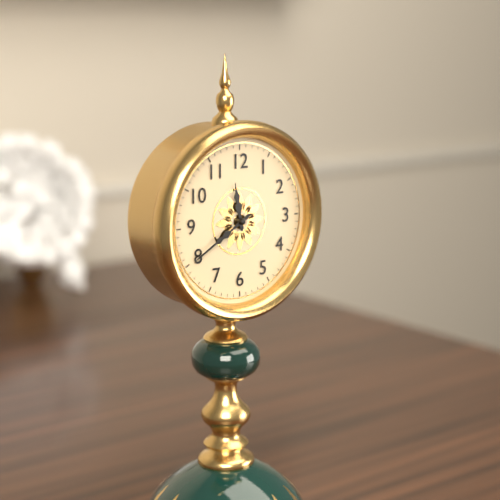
11:40
